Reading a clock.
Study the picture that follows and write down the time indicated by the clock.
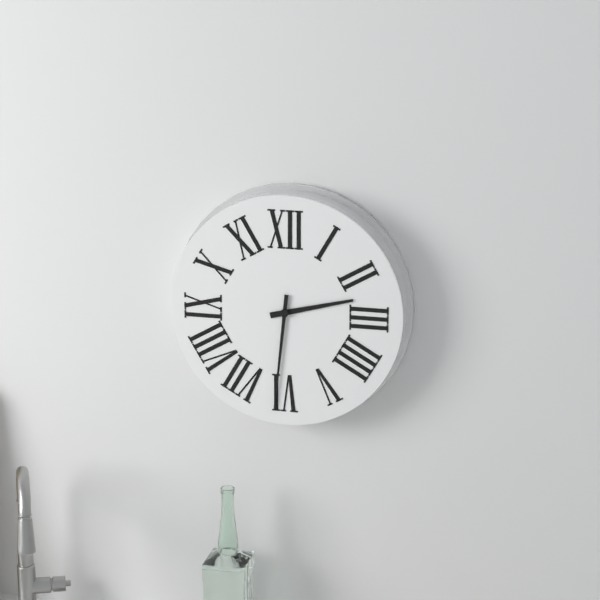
2:31
